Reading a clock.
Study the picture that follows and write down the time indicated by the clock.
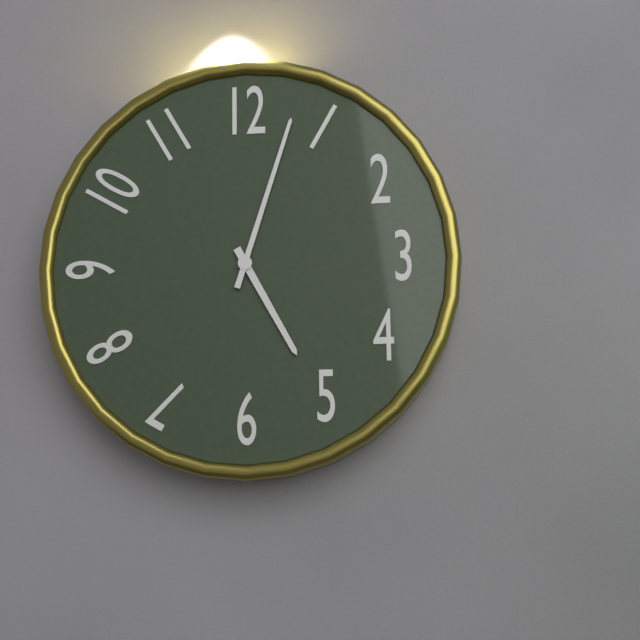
5:03
